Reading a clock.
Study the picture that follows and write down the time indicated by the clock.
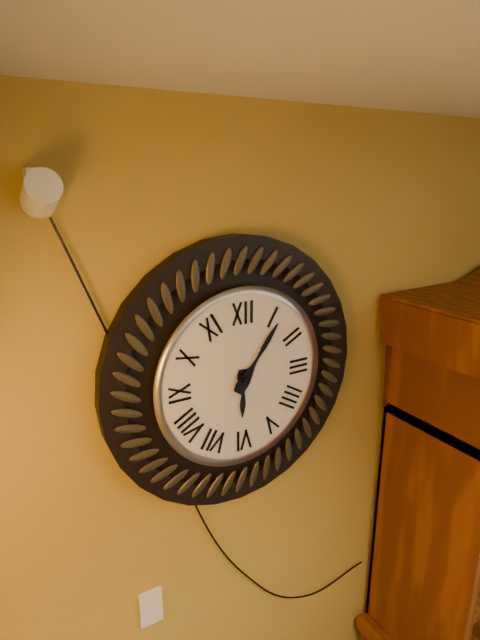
6:06
